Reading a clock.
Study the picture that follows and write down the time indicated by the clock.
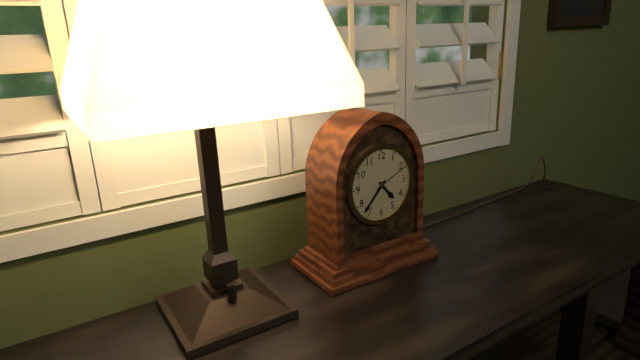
4:37
